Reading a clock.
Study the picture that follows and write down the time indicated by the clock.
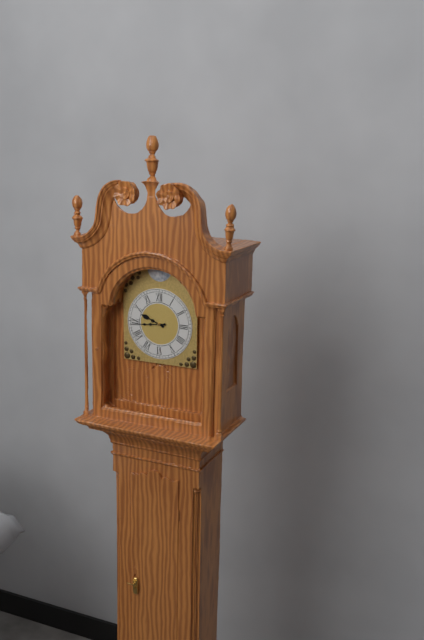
9:44
